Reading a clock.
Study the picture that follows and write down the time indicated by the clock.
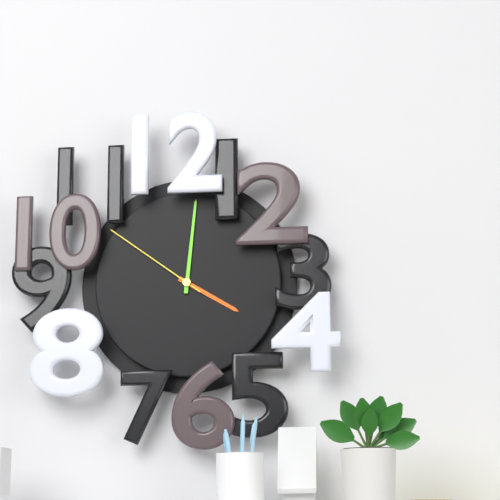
4:01:51
